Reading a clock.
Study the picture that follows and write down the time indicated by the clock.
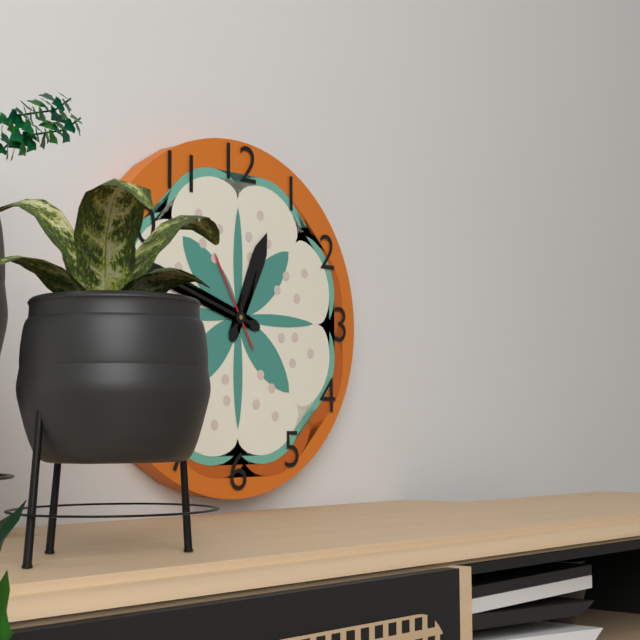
12:48:55
